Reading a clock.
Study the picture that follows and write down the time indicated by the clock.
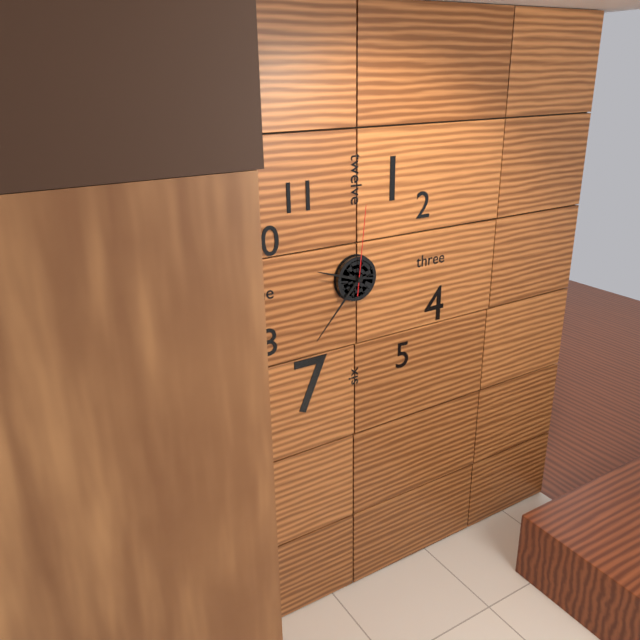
9:37:01
